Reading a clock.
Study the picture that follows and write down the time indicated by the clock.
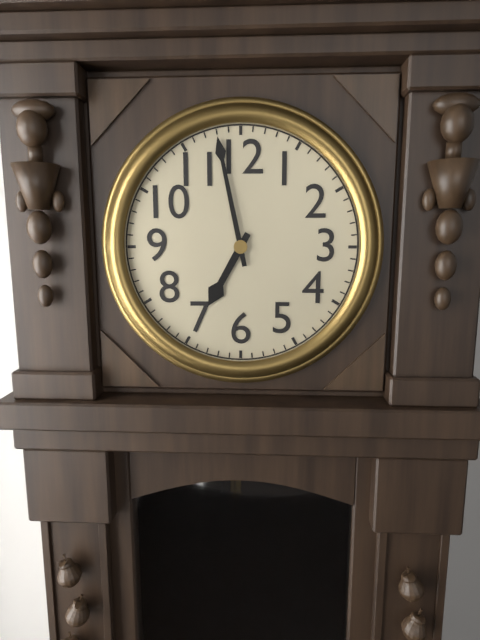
6:58
